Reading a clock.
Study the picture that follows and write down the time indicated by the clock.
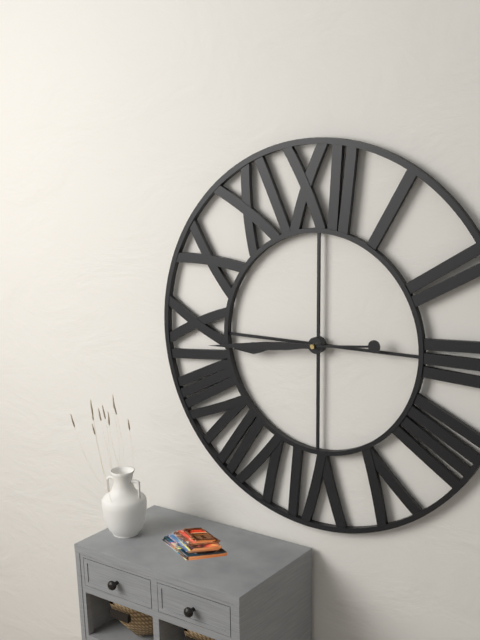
8:44
